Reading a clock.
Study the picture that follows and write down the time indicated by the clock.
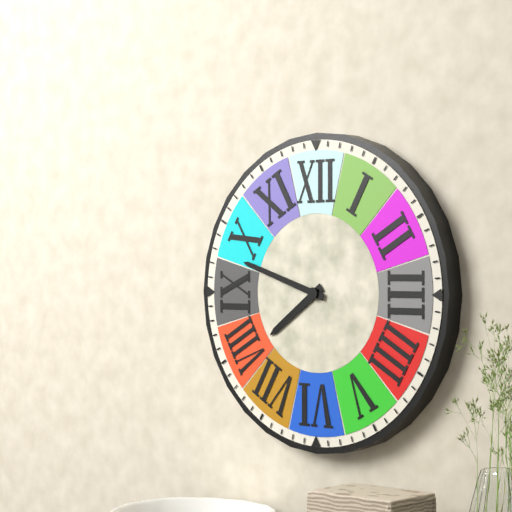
7:48
